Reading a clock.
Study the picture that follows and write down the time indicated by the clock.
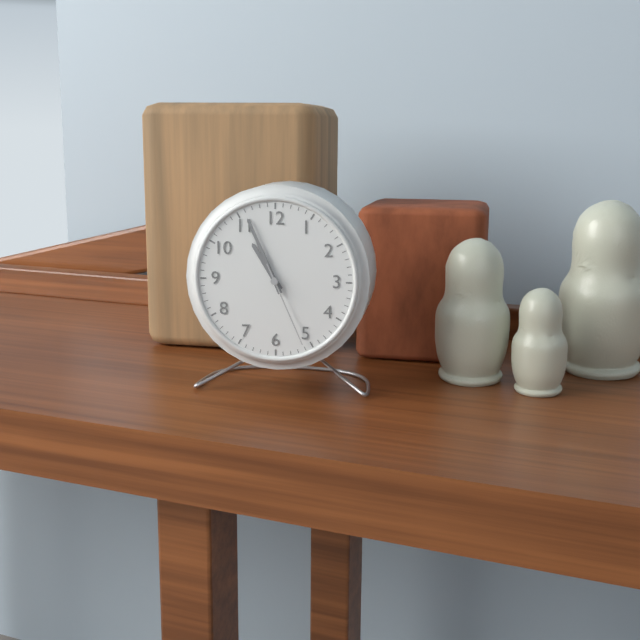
10:56:26
